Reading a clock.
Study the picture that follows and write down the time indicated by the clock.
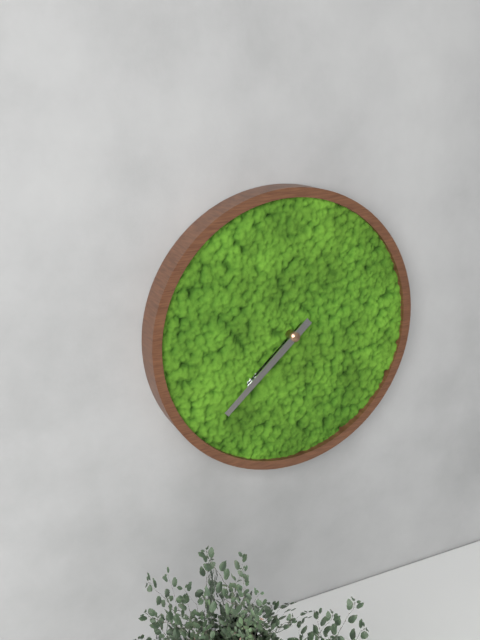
7:38
